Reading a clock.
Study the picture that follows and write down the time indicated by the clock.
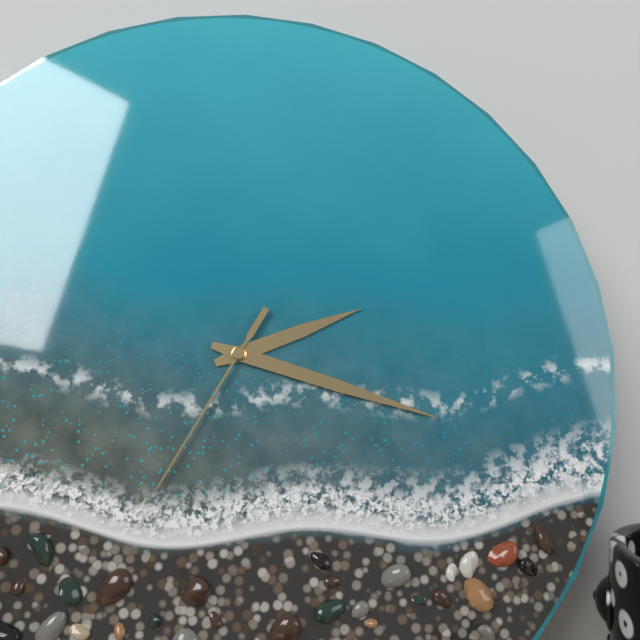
2:18:35
